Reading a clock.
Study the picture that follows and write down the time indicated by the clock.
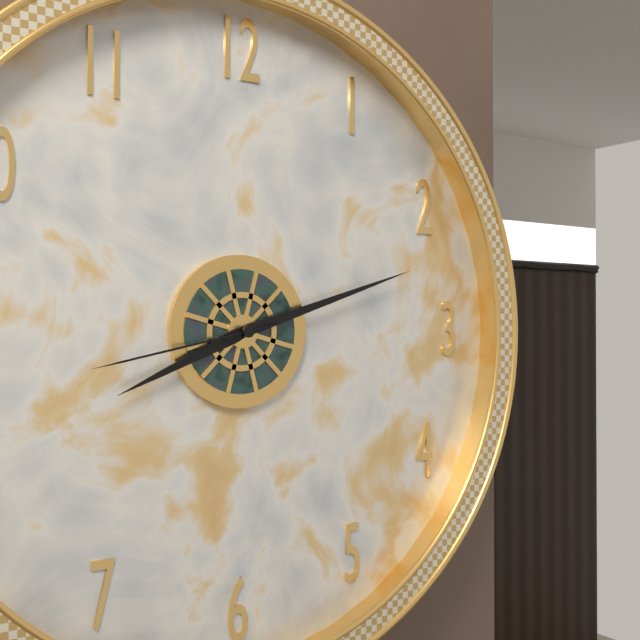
8:12:43
